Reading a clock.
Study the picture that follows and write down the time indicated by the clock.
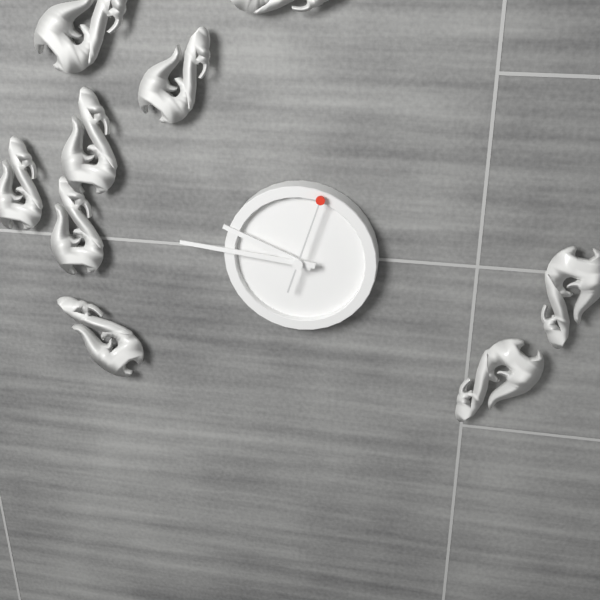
9:46:03
